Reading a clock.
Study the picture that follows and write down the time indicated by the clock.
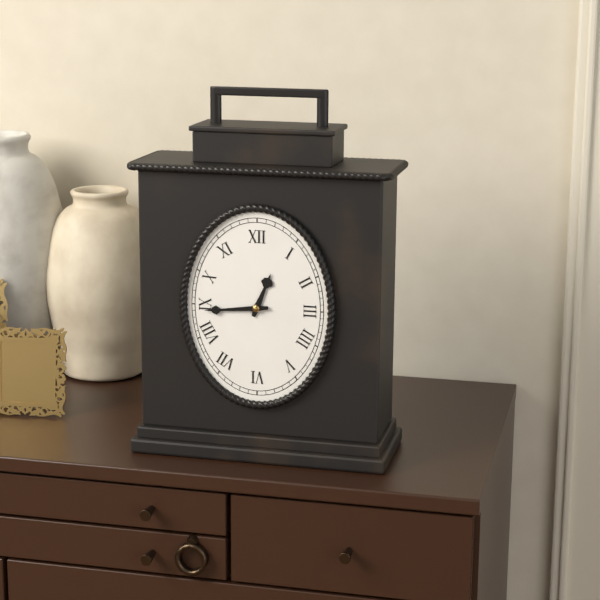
12:44
